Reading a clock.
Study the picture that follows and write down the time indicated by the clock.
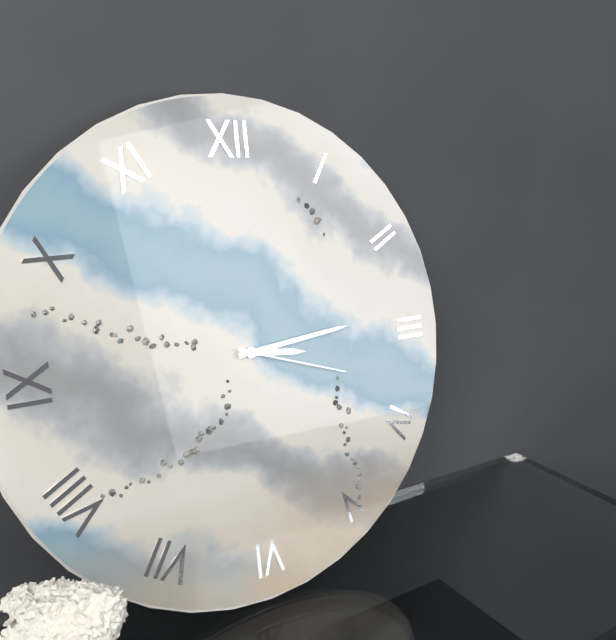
3:14:18
